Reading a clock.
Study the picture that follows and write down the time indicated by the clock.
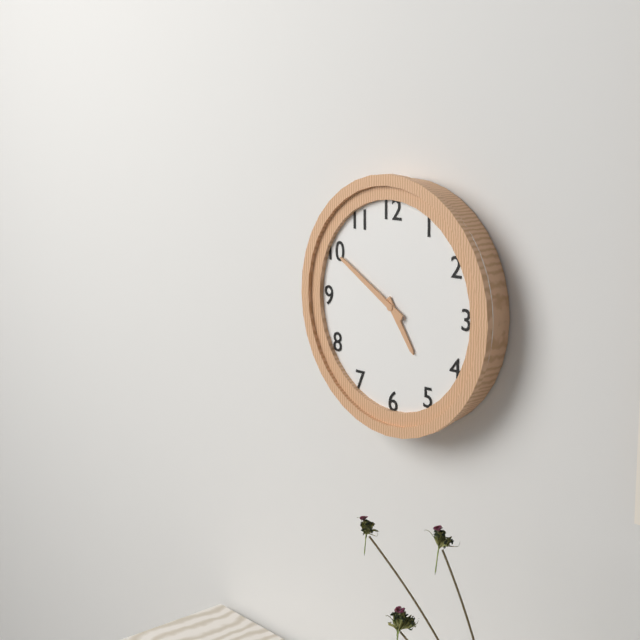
4:50
